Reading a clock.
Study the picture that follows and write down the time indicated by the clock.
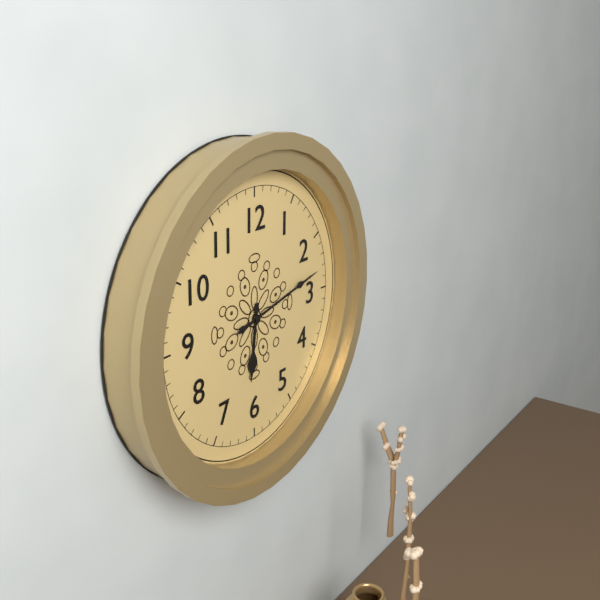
6:13
